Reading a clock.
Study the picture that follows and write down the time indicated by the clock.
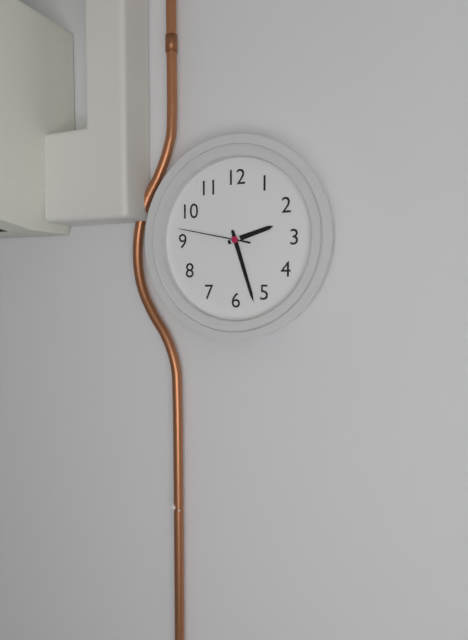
2:27:47
